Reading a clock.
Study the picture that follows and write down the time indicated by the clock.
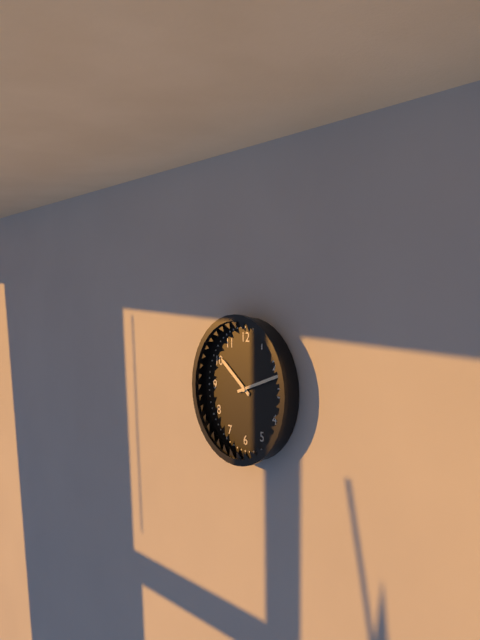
10:12
